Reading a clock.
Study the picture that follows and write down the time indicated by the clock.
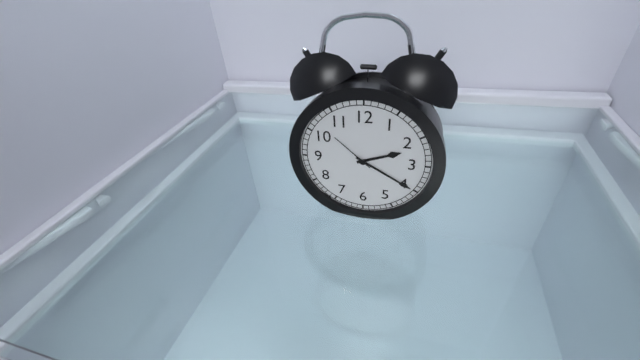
2:20
